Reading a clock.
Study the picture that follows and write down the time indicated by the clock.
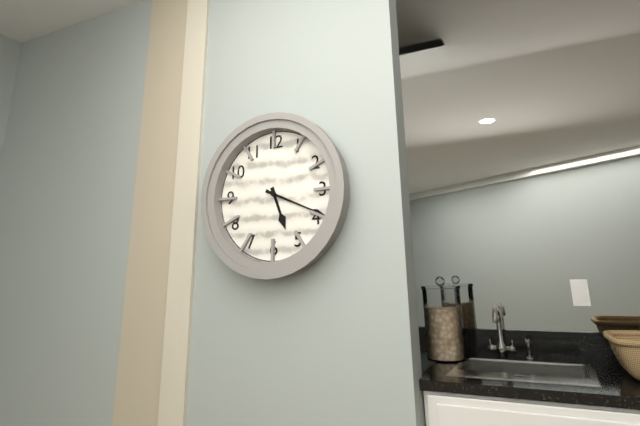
5:19
